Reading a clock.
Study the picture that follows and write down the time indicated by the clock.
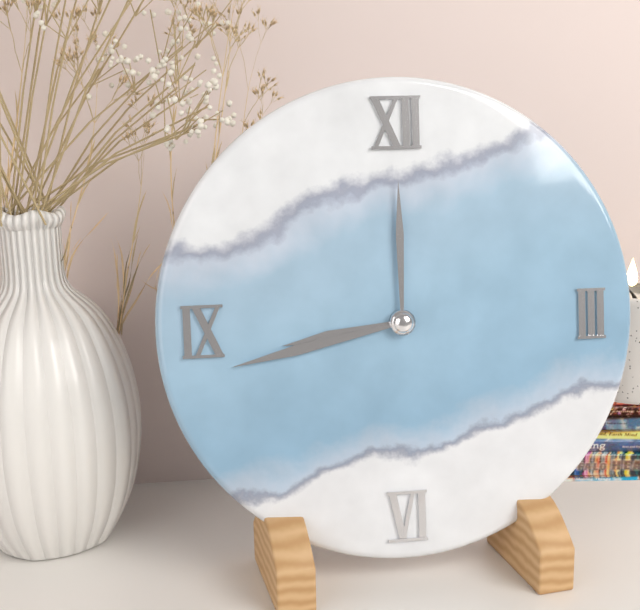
8:43:00
